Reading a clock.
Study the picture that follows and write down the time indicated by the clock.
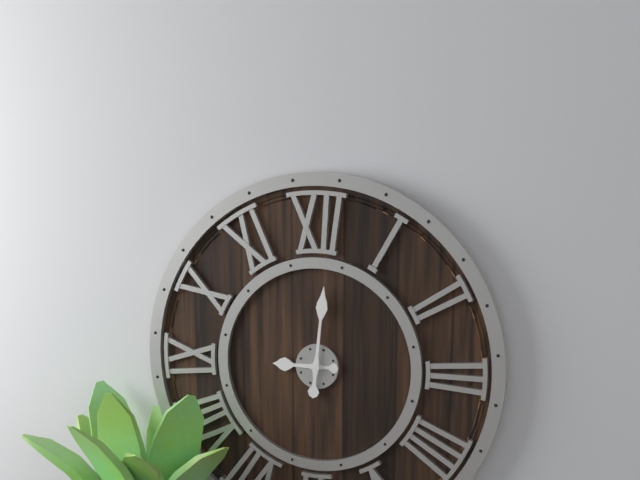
9:01
